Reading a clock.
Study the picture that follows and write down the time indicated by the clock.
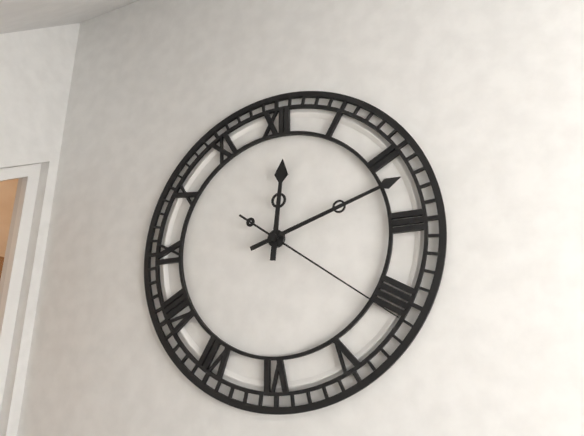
12:12:21
